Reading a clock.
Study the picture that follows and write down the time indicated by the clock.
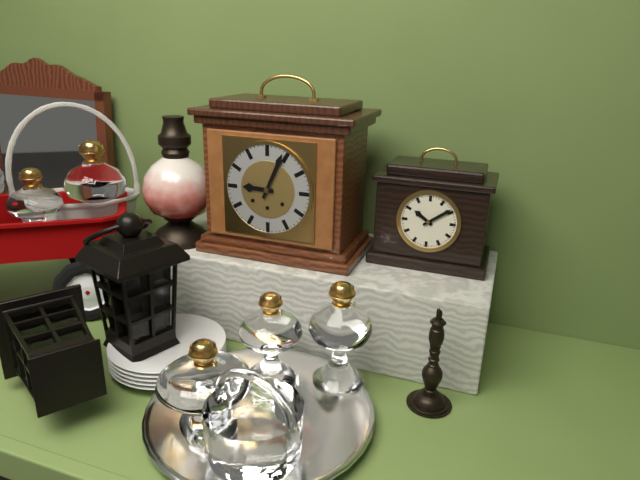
9:04
